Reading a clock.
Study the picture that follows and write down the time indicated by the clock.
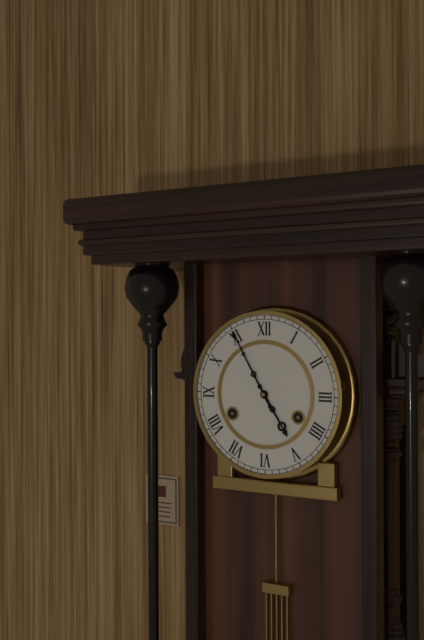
4:55
